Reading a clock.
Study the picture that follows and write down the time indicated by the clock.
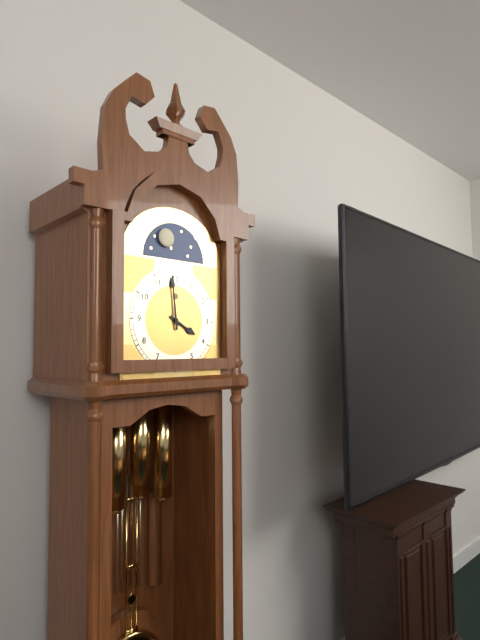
3:59
